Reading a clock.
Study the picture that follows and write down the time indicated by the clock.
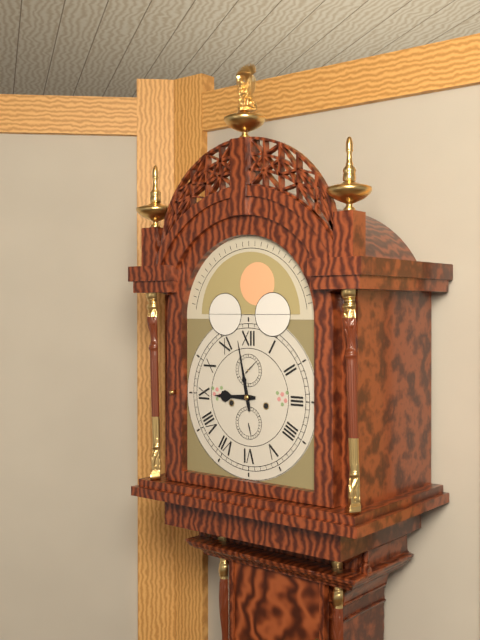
8:58
